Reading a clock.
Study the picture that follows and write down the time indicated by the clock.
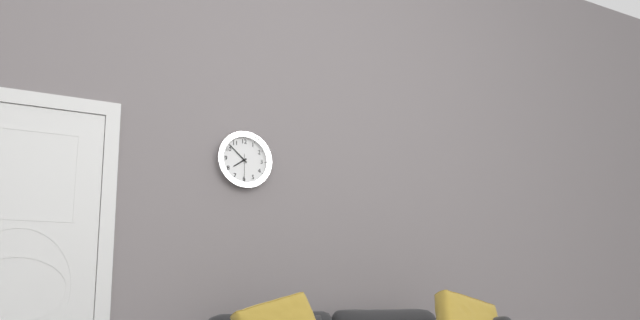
7:52
